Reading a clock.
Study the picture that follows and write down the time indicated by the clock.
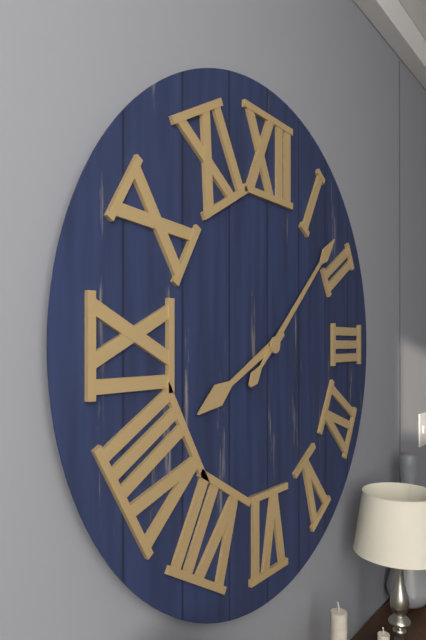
8:08
